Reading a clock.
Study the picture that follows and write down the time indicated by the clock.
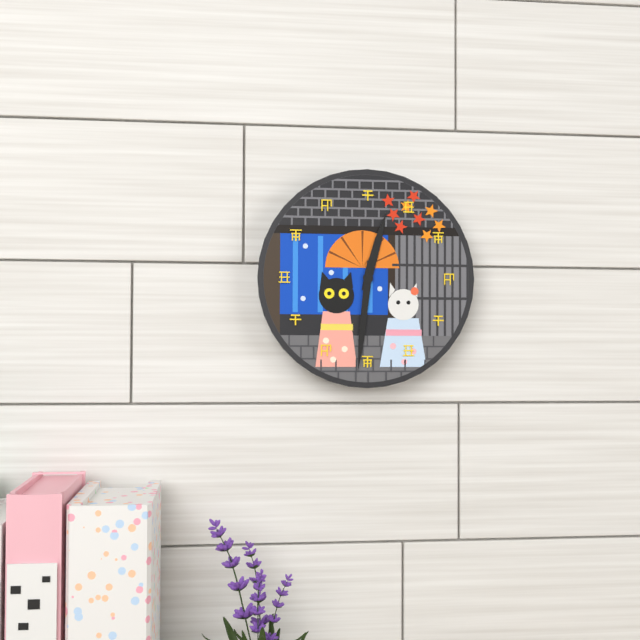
12:31
